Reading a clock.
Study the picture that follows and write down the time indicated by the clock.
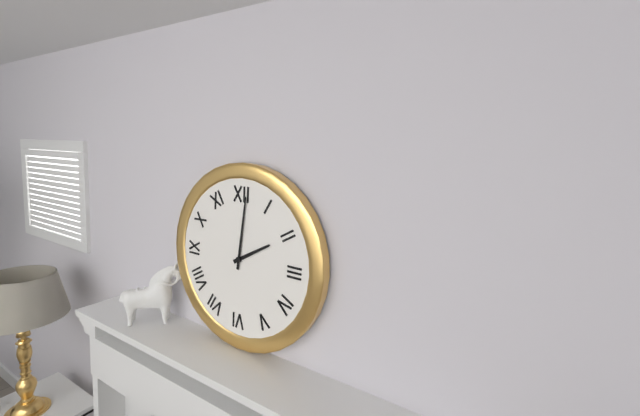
2:01
